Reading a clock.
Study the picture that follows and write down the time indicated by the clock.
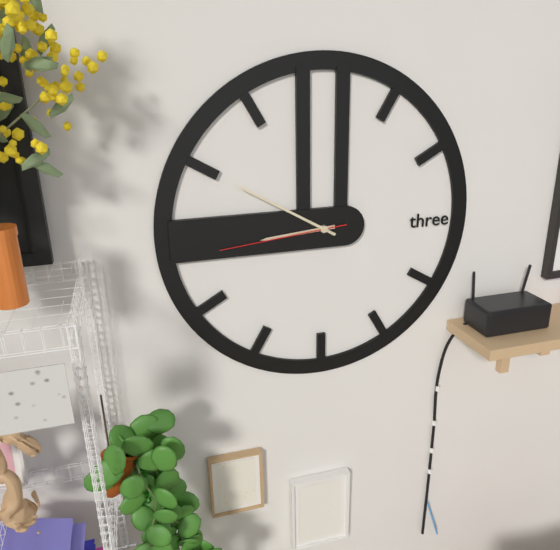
8:50:44
